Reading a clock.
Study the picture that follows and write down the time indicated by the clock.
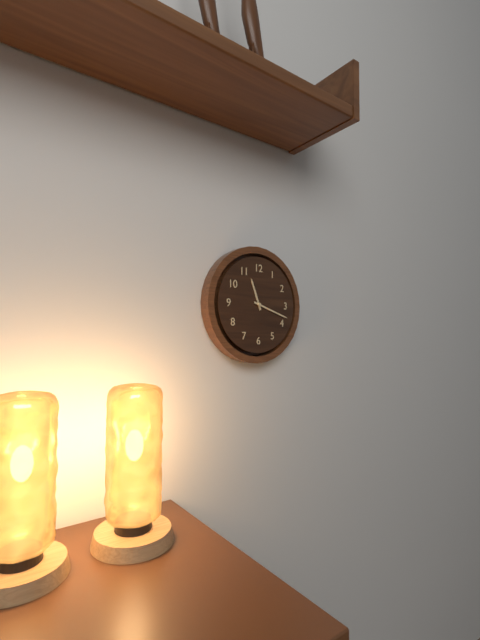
11:18
